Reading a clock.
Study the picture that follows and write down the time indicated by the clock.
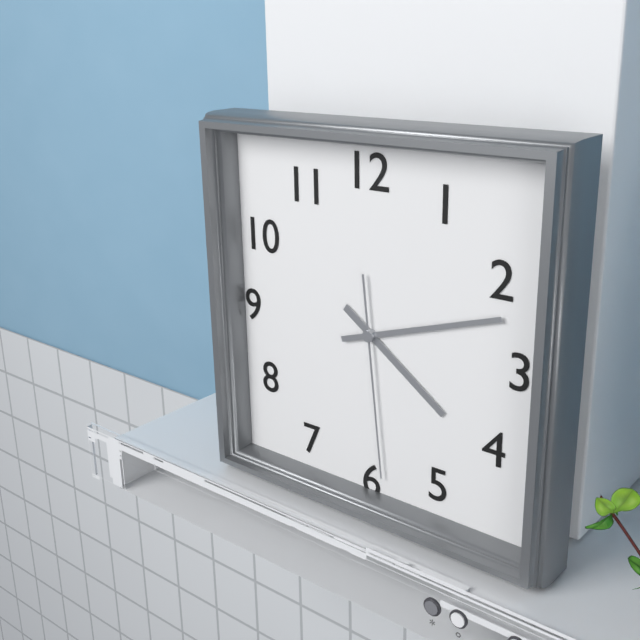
4:12:29
